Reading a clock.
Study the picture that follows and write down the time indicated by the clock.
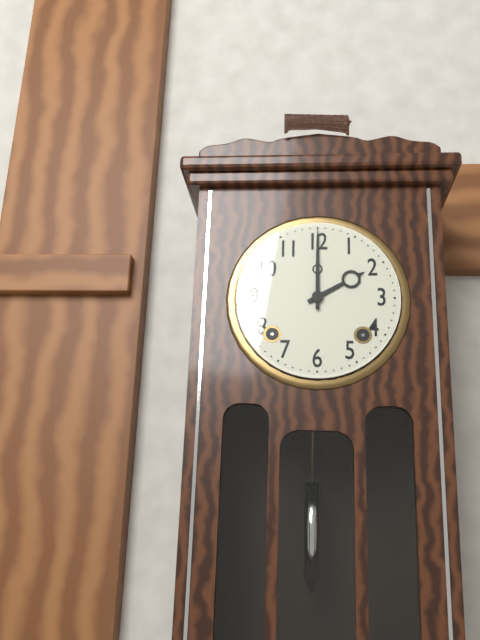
2:00
